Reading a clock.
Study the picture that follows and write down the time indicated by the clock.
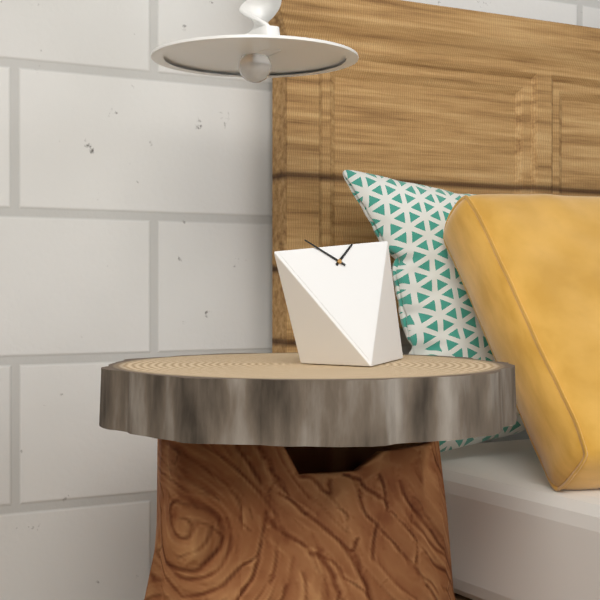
1:51
